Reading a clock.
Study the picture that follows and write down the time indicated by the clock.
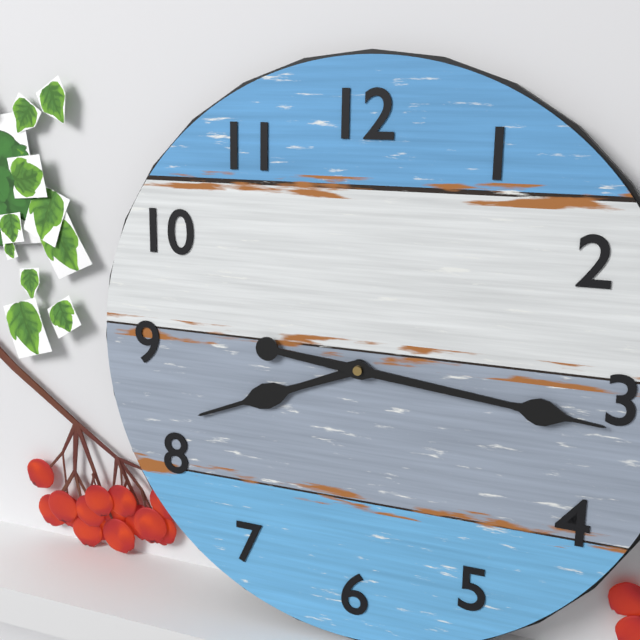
8:16
